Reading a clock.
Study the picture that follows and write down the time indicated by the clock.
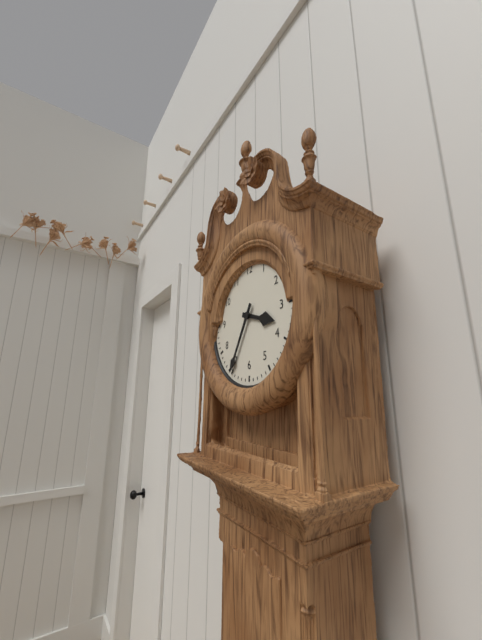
3:35
